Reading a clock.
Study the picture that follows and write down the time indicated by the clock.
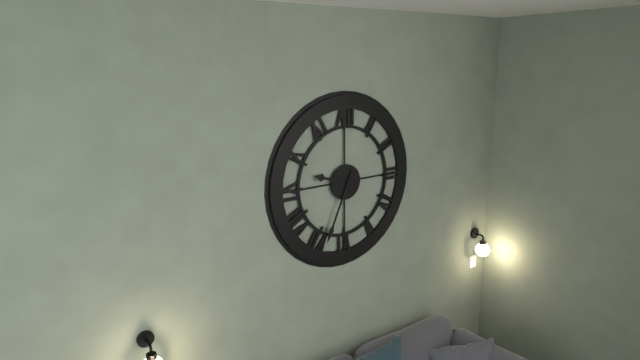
9:34
